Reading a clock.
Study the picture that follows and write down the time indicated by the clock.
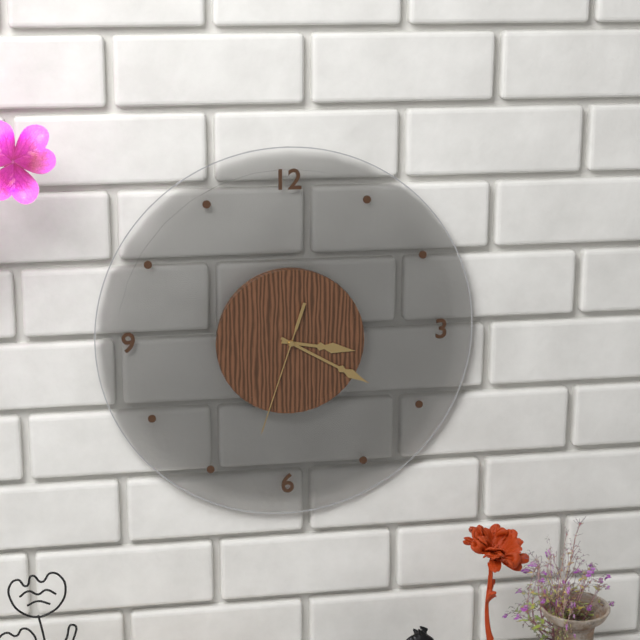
3:20:33
